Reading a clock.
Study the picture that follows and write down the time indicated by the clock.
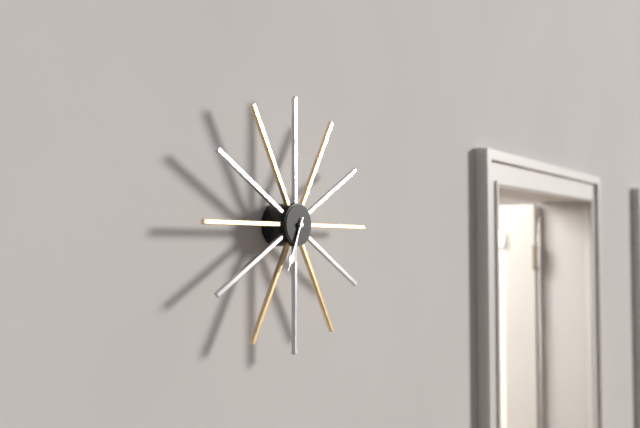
6:34
